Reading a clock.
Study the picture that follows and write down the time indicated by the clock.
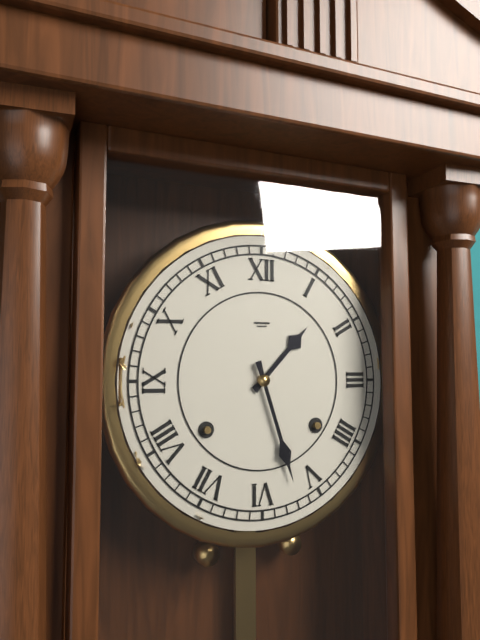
1:27
